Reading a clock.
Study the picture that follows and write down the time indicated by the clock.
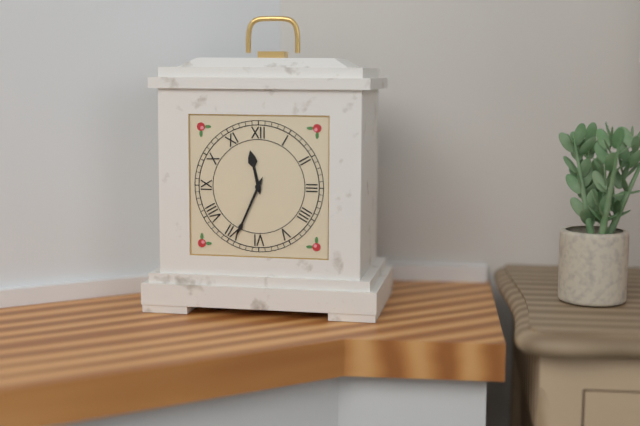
11:34
